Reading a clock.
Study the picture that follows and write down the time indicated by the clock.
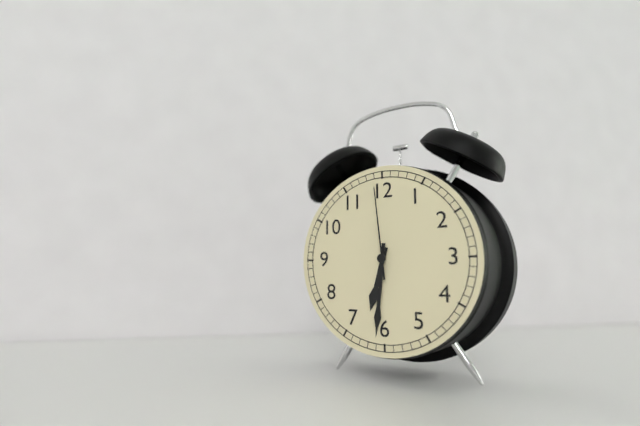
6:31:59
